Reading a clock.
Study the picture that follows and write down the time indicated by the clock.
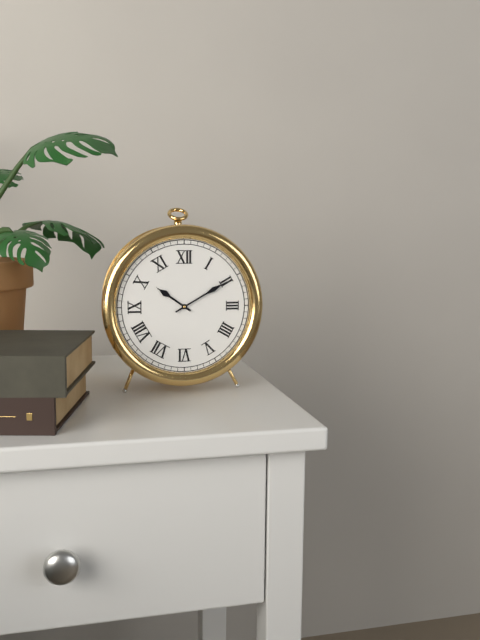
10:10
